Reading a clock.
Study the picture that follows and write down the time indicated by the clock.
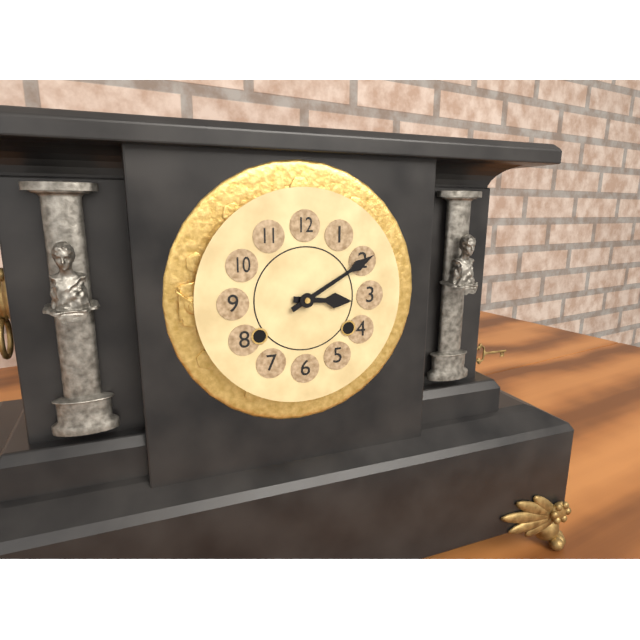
3:10
